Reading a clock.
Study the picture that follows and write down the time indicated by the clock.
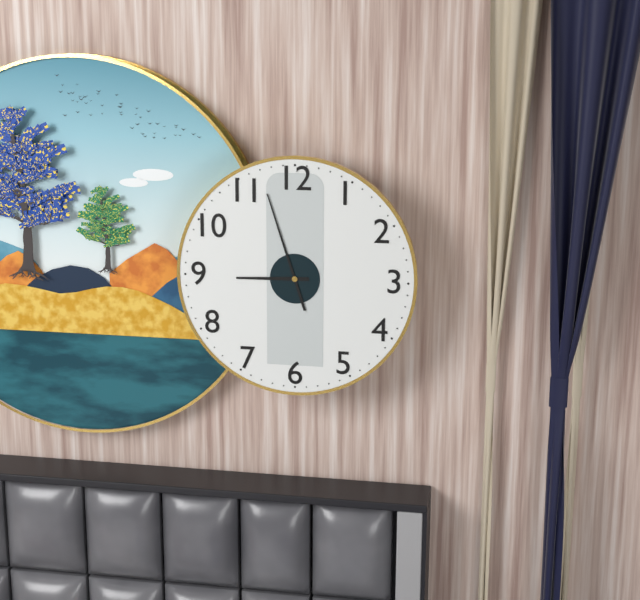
8:57
